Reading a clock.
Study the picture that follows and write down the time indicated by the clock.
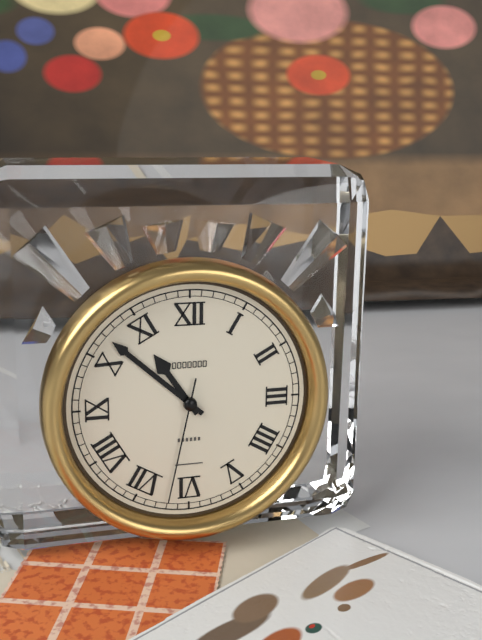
10:52:32
